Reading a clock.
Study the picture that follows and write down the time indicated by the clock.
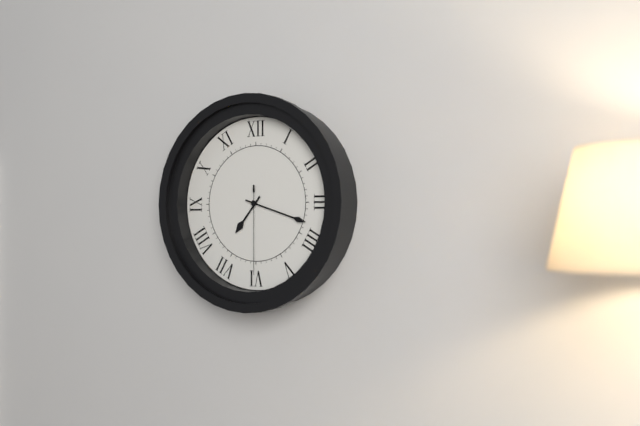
7:18:30
